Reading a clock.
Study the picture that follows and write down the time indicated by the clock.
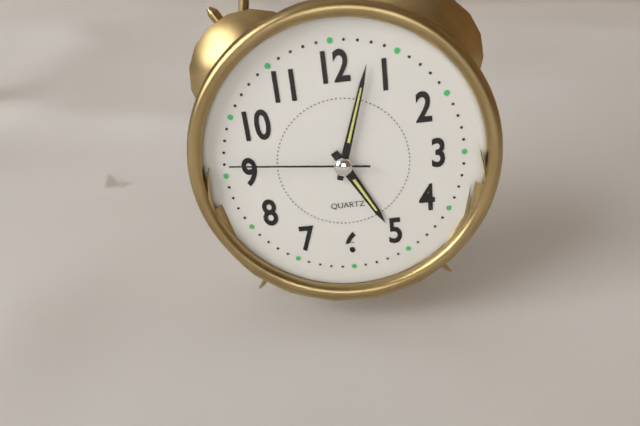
5:03:46
